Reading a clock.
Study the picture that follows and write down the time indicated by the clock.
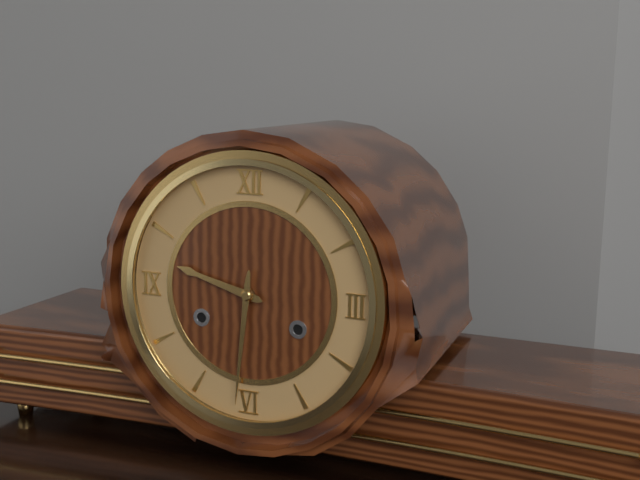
9:31
